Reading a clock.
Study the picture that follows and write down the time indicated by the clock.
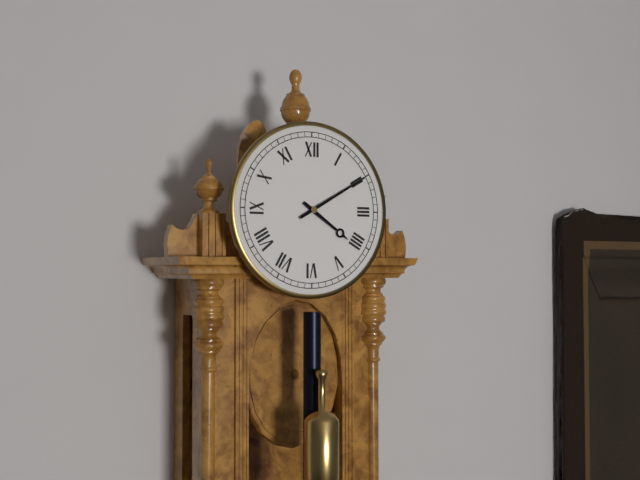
4:10
